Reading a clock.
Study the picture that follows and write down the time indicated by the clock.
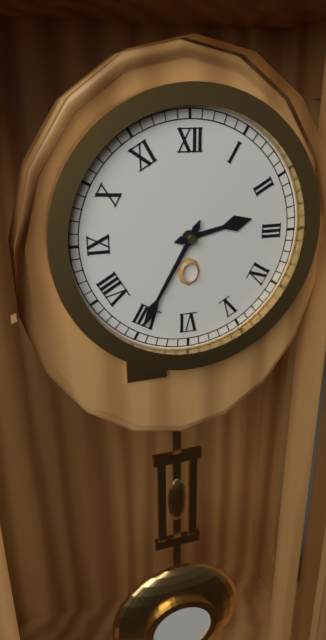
2:35
